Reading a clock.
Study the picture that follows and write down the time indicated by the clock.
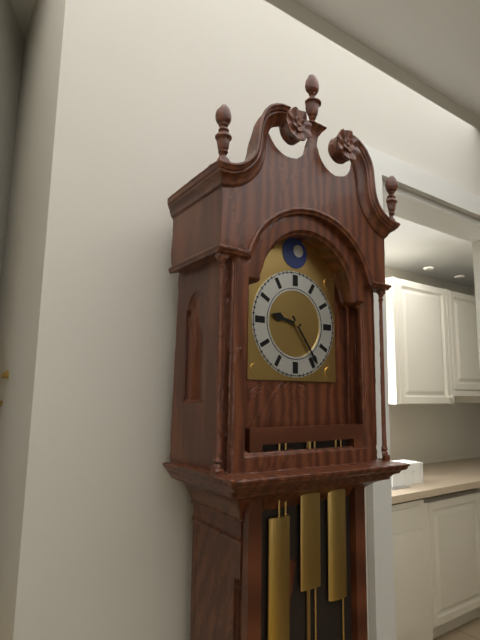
9:24
